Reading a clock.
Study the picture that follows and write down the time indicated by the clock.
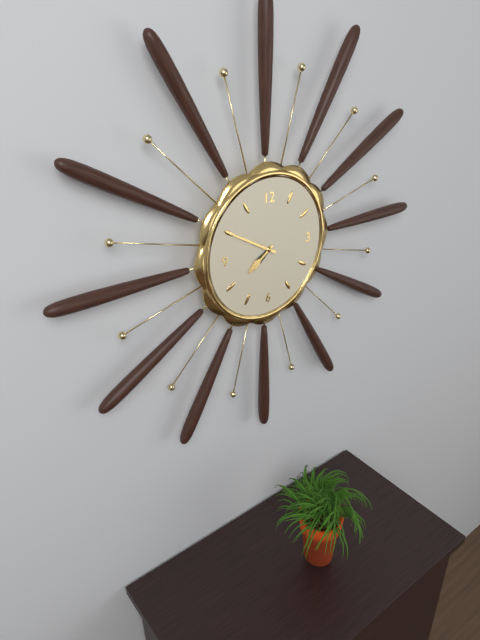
7:50
